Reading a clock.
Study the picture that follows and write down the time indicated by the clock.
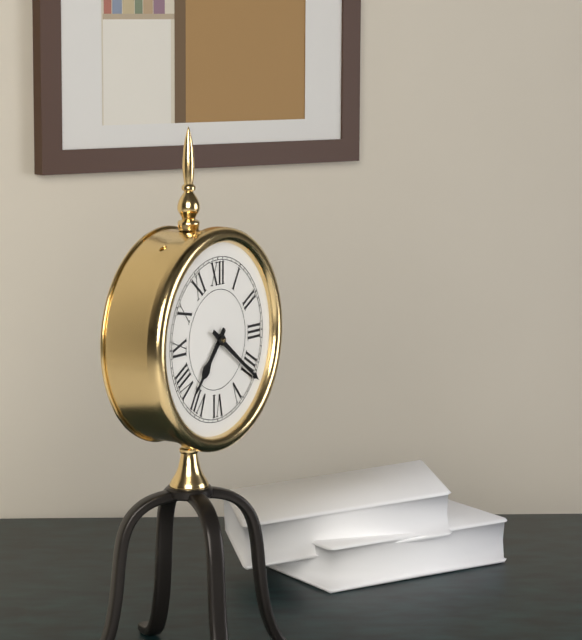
7:21
